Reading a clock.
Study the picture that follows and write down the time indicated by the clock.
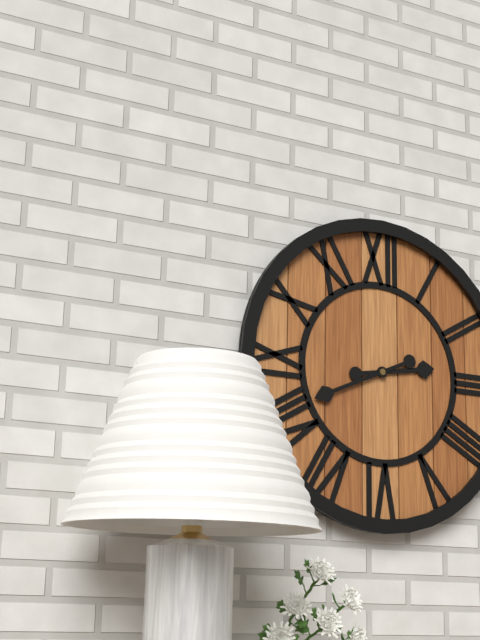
2:41
